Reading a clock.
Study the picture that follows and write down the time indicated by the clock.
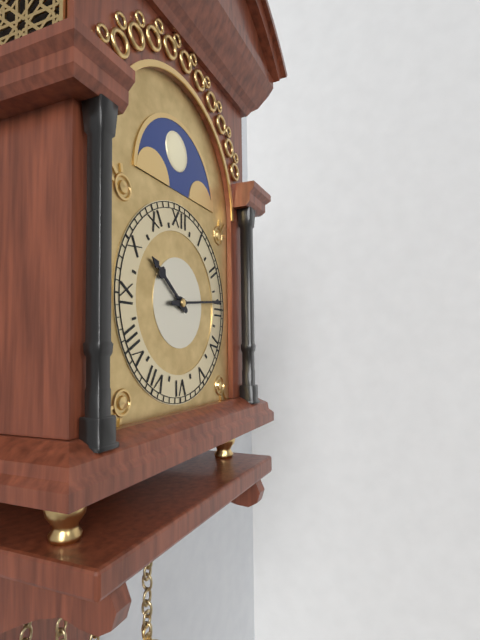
10:14
